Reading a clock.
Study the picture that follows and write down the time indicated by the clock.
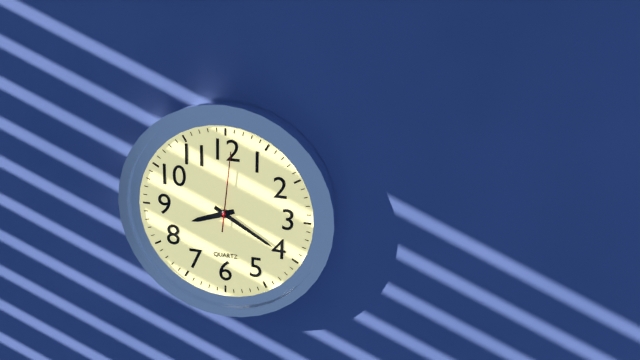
8:20:01
